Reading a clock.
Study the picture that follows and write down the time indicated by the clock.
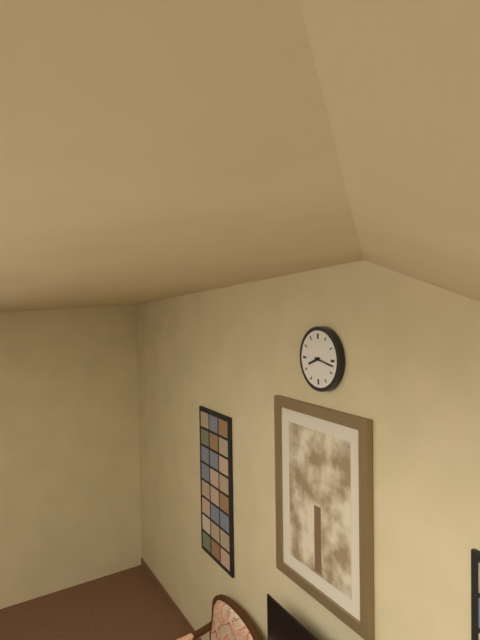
8:17
